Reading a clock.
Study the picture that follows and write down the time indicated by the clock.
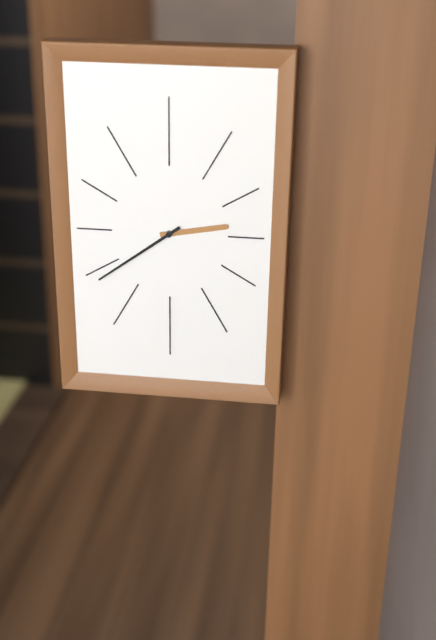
2:39
